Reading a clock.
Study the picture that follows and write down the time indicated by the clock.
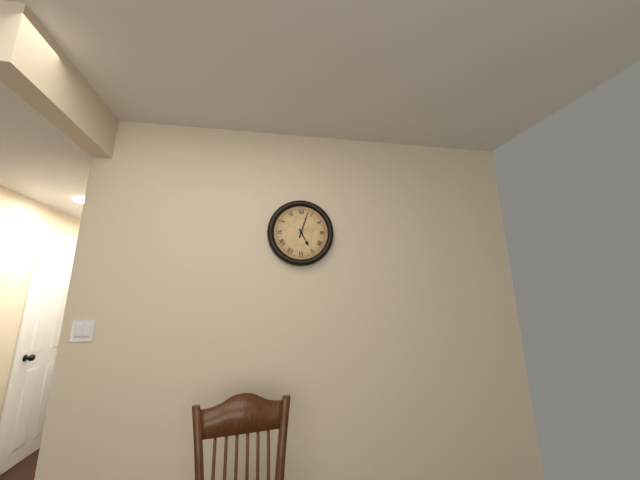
5:03
